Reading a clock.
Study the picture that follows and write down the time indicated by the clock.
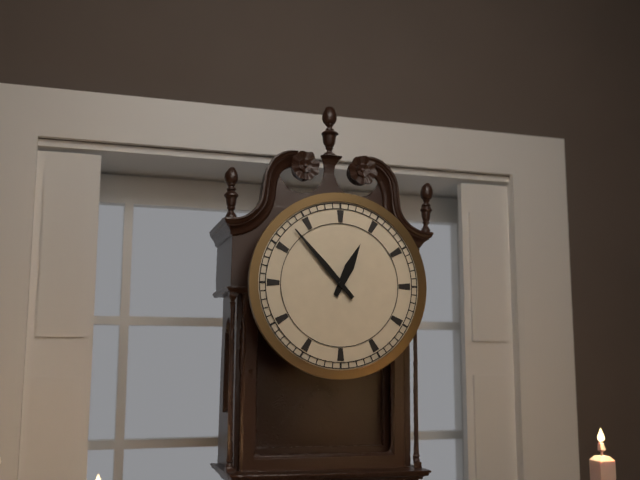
12:53
